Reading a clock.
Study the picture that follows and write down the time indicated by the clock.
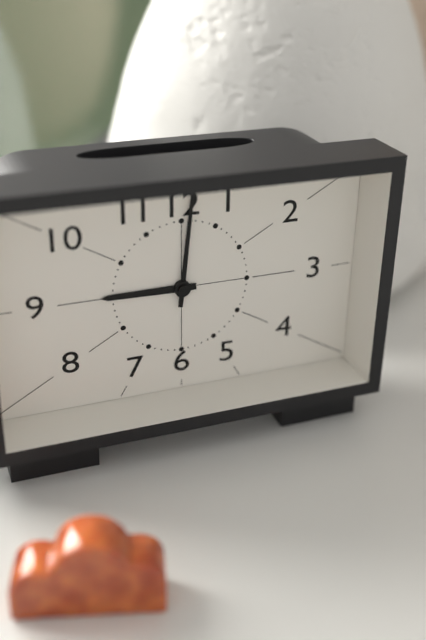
9:01
